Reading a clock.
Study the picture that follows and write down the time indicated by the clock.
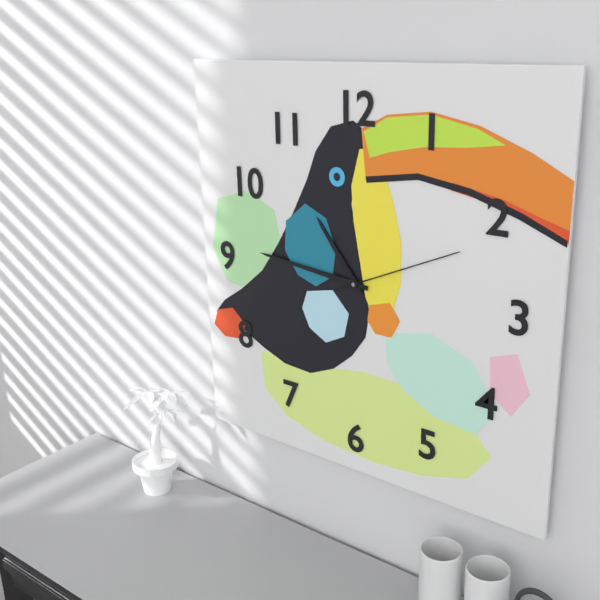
10:46:11
